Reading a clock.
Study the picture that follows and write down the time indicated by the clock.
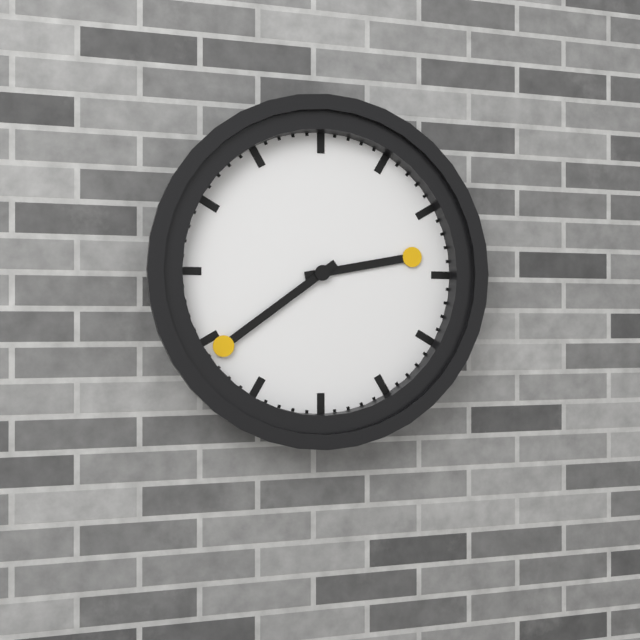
2:39
